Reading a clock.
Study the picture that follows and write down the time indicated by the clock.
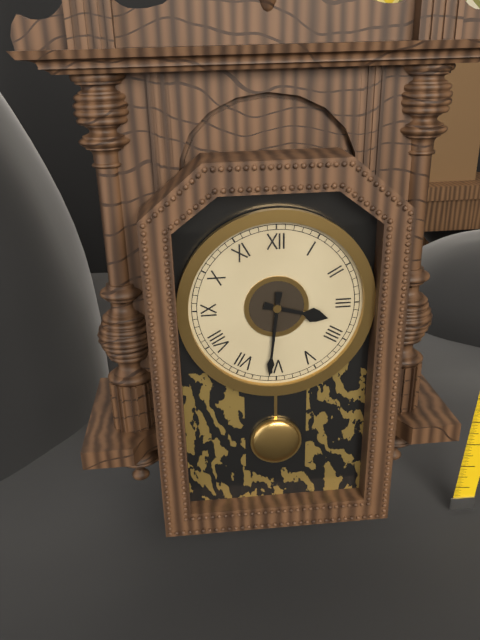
3:31
